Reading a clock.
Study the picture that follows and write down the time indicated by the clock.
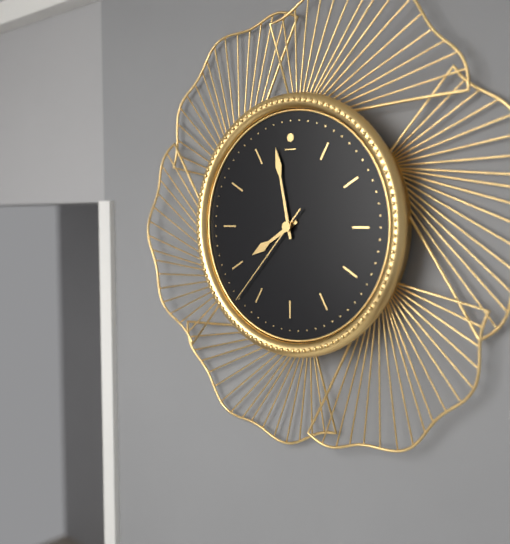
7:58:37
